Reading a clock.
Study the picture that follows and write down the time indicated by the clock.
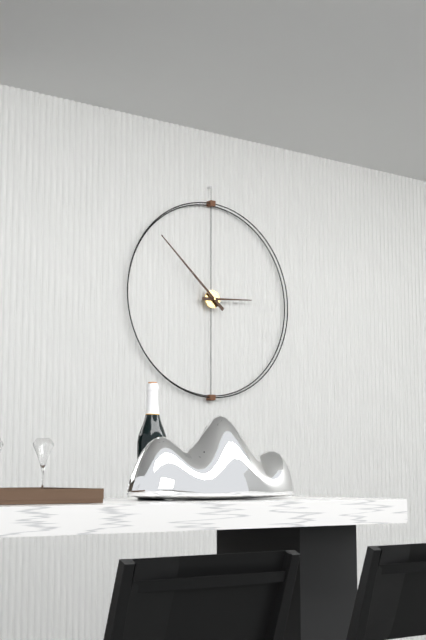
2:52
